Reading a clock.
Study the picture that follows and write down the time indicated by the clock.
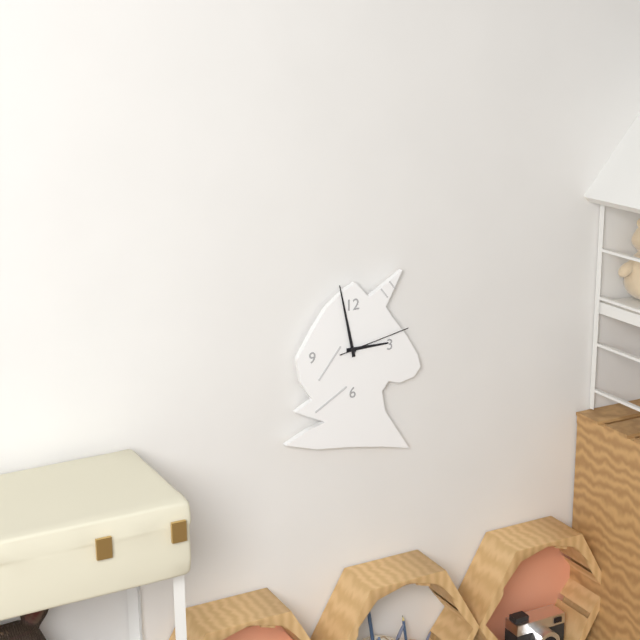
2:58:13
